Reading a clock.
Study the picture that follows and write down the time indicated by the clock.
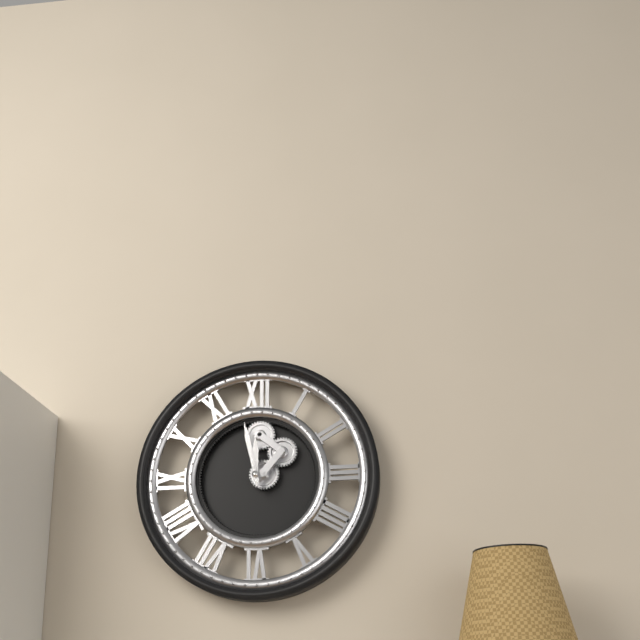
11:58
